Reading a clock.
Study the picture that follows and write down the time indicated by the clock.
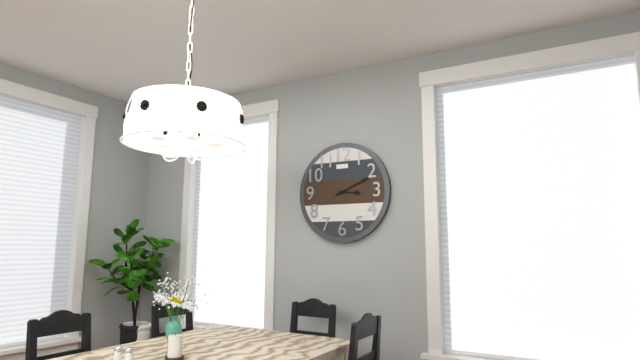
3:11
